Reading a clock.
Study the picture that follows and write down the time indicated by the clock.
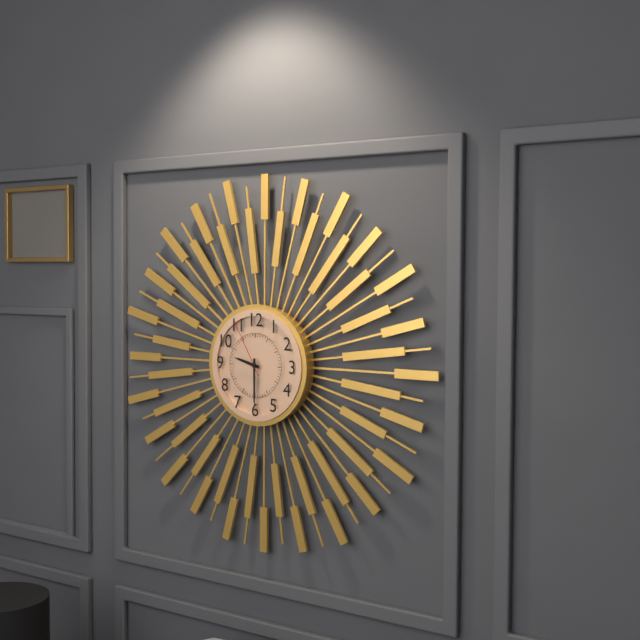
9:30:55
